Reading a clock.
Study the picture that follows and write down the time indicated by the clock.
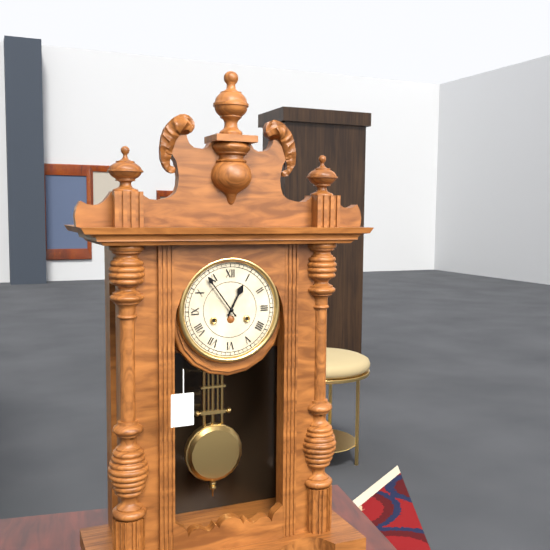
12:54
